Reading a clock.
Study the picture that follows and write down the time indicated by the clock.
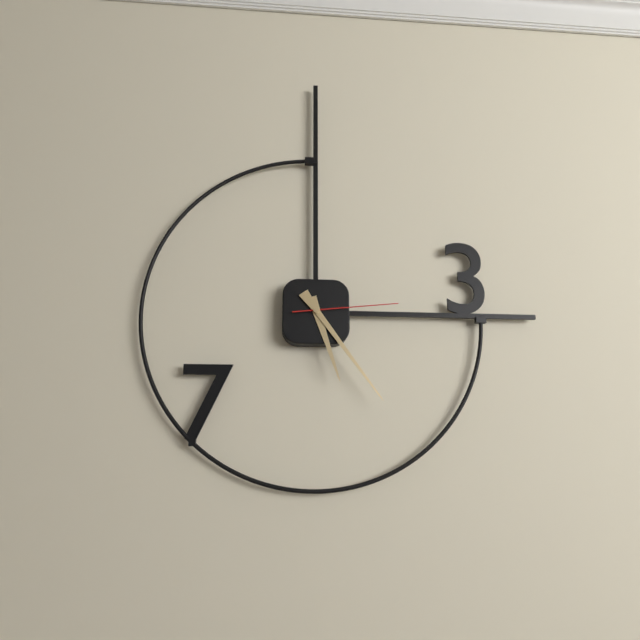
5:24:14
